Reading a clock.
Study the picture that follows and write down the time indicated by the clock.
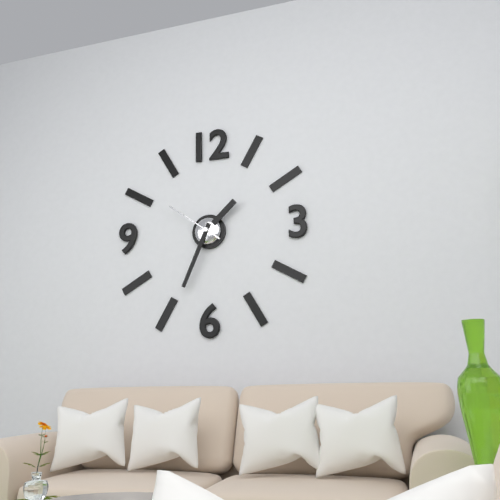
1:34:51
